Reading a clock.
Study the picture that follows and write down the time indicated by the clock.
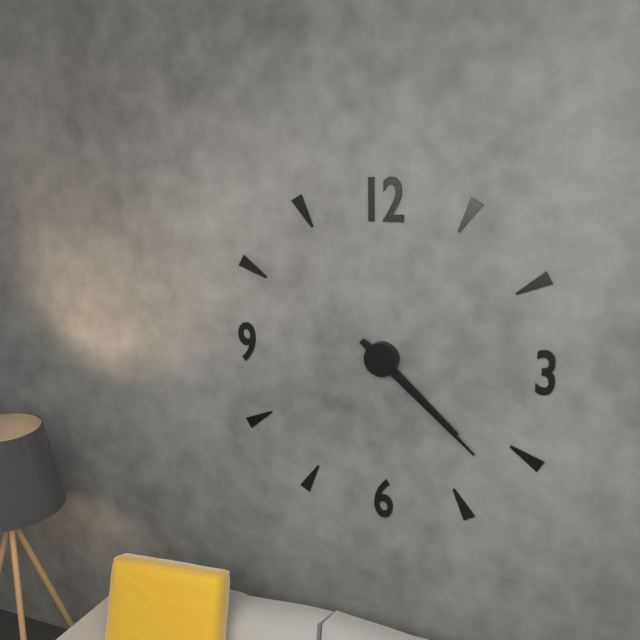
4:22
